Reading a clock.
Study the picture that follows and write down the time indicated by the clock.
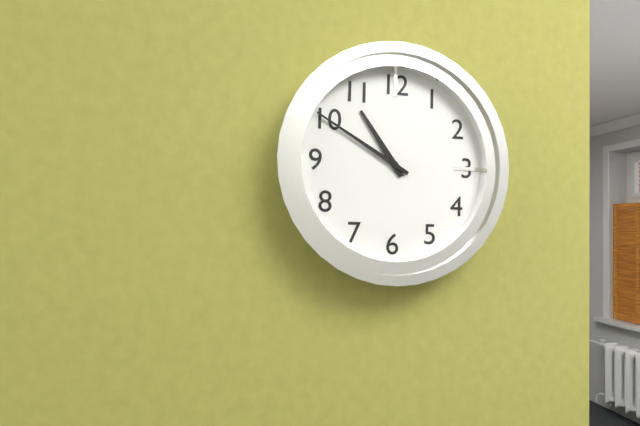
10:50
